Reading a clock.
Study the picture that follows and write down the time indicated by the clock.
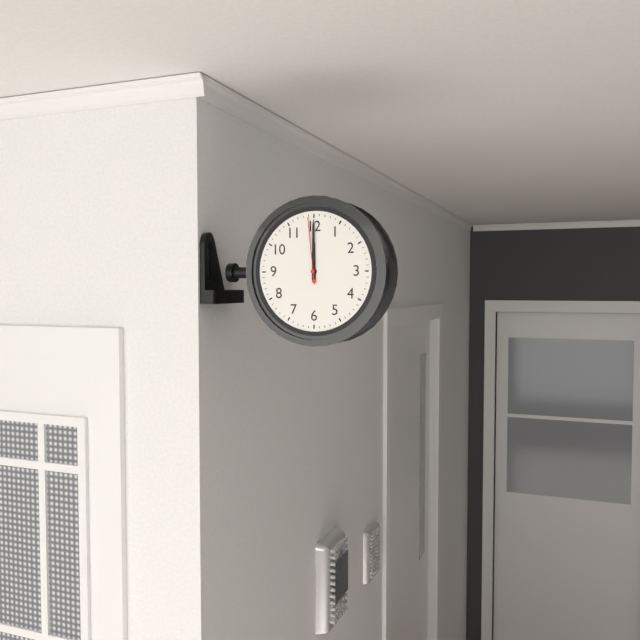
12:00:59
